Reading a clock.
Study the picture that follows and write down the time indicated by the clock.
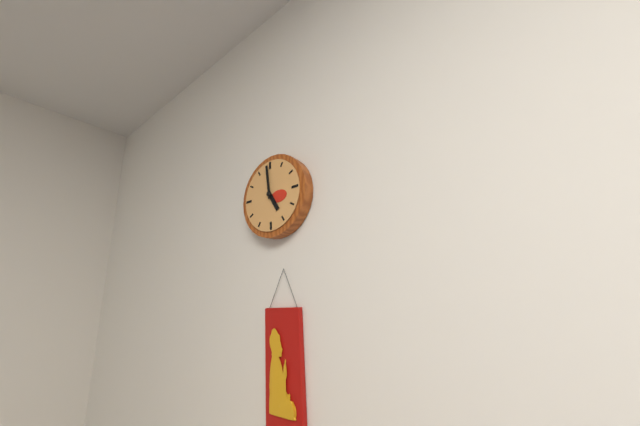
4:59
